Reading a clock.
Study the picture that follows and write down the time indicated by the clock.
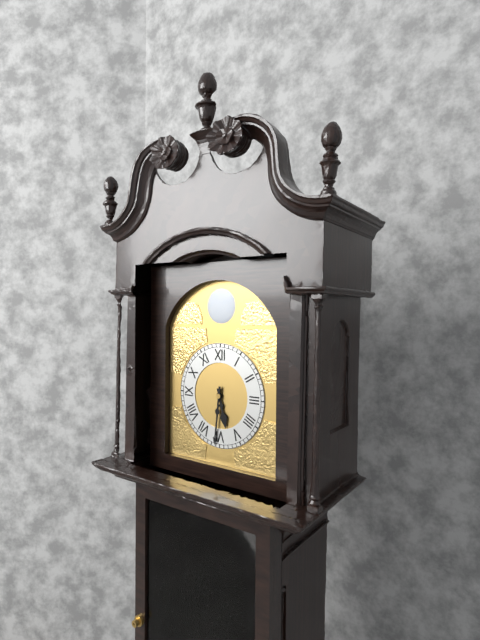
5:31
